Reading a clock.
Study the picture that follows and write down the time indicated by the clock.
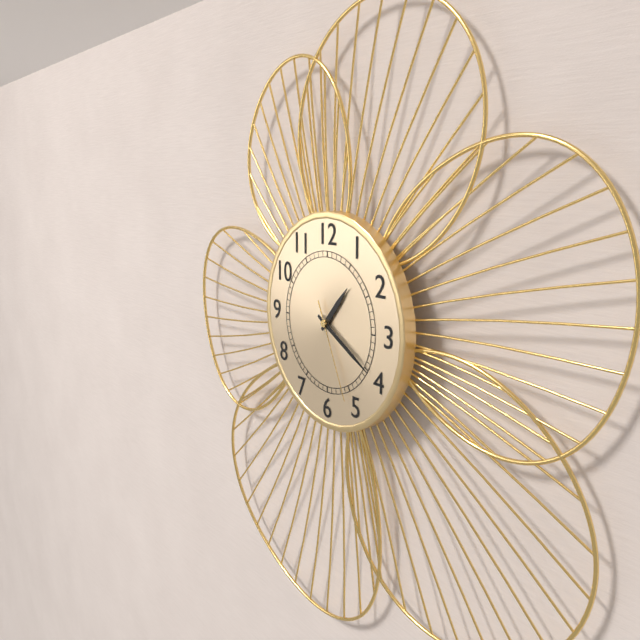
1:20:26
